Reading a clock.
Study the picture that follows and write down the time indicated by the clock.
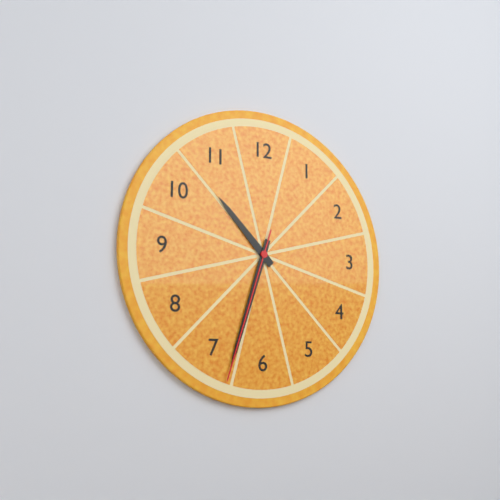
10:33:33
